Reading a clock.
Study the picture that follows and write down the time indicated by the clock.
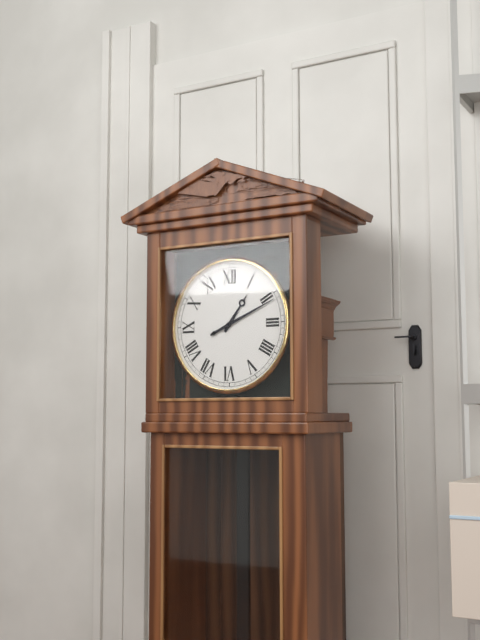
1:11
